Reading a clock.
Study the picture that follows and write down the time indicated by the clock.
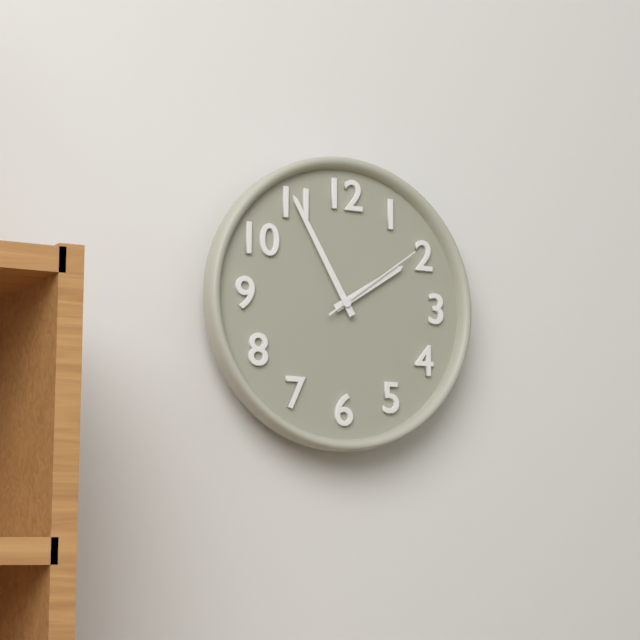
1:55:09
